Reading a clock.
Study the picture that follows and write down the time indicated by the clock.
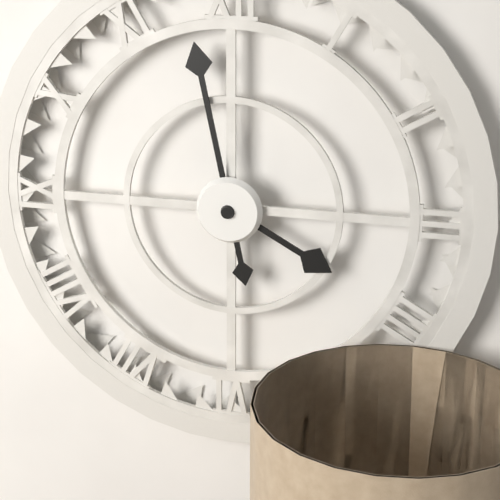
3:58
